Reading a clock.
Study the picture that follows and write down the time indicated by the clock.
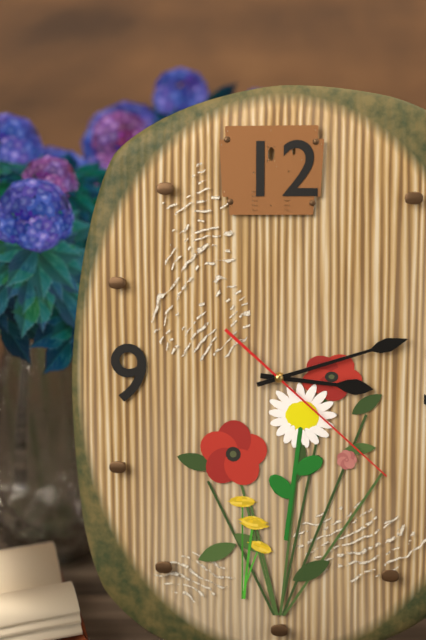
3:12:22
